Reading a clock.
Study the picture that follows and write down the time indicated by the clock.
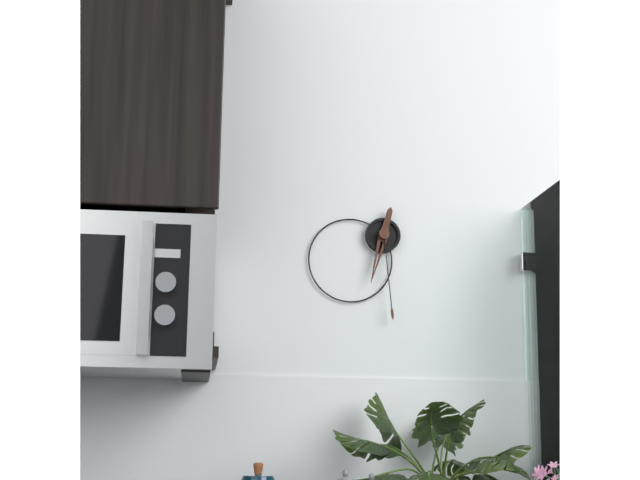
6:29
